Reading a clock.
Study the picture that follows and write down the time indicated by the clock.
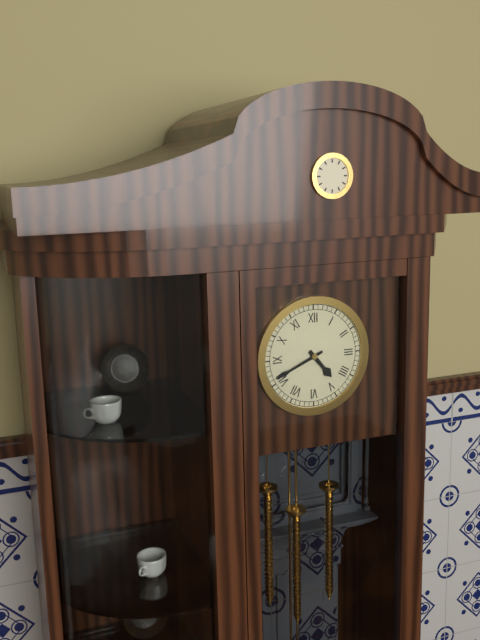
4:41
